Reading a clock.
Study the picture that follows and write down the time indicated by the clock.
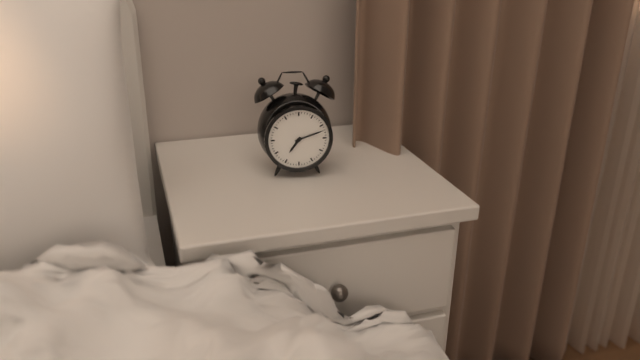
7:12
